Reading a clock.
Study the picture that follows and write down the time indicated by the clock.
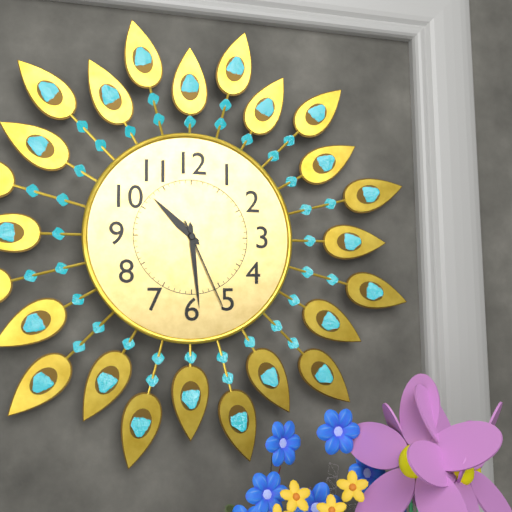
10:29:26
